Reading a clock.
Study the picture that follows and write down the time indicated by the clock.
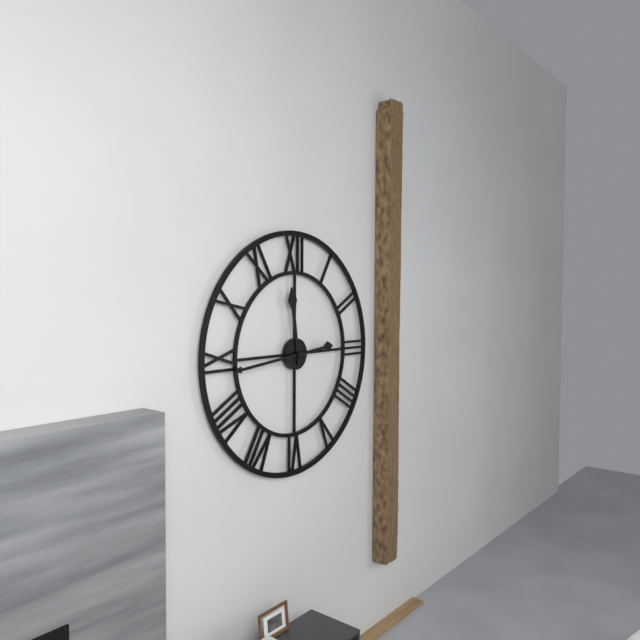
11:44
